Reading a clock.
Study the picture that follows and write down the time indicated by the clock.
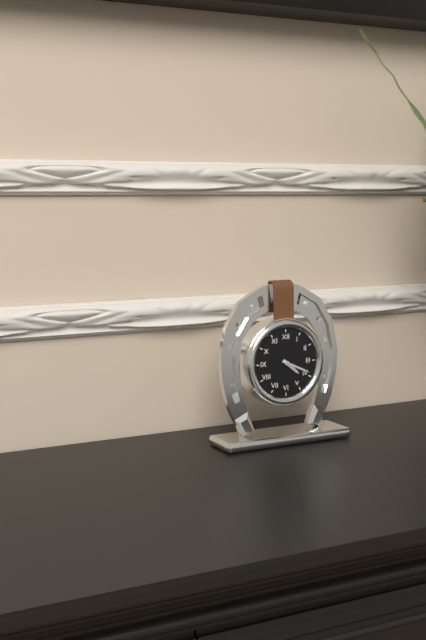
4:19
